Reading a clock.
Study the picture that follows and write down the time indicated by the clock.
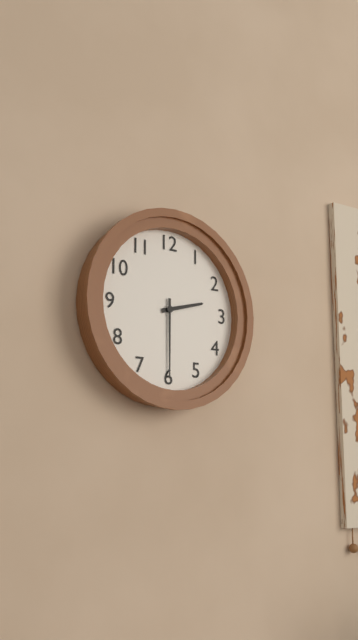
2:30
